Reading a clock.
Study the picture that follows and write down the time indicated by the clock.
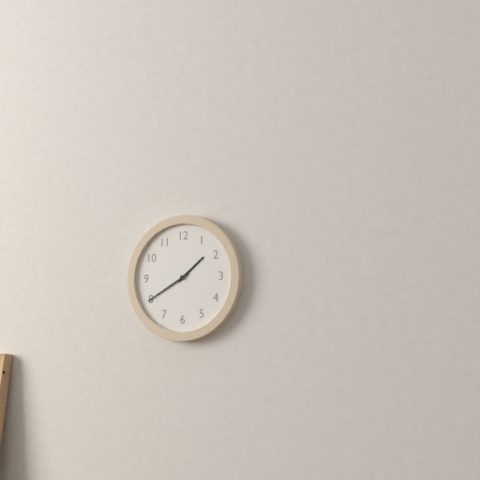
1:40
